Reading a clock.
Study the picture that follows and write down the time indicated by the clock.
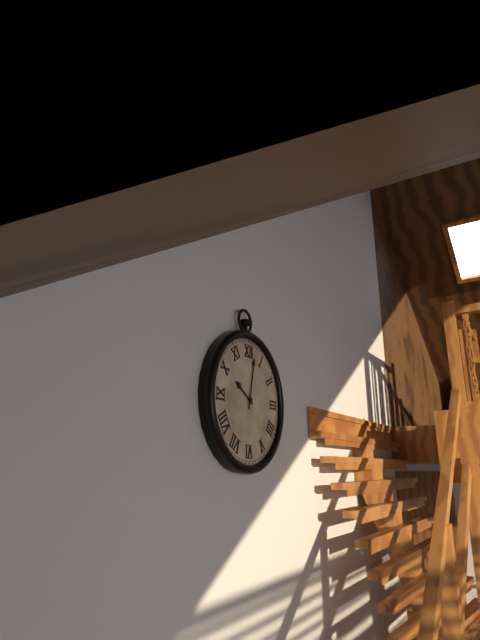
10:02
